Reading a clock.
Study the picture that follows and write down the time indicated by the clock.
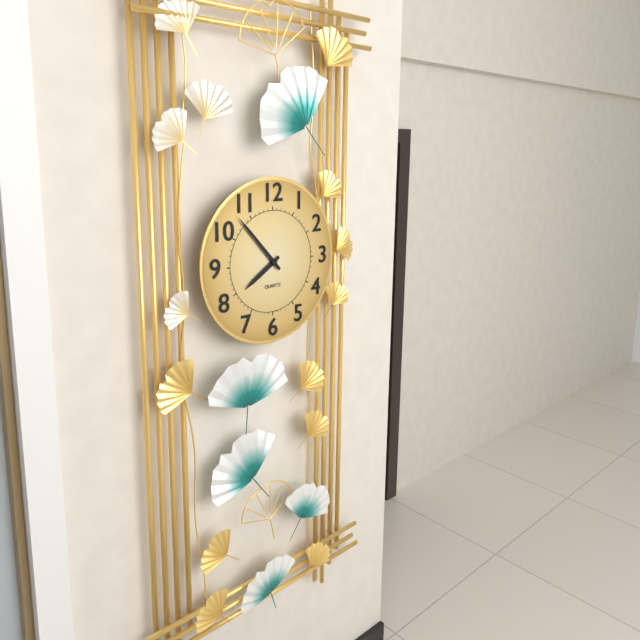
7:53
